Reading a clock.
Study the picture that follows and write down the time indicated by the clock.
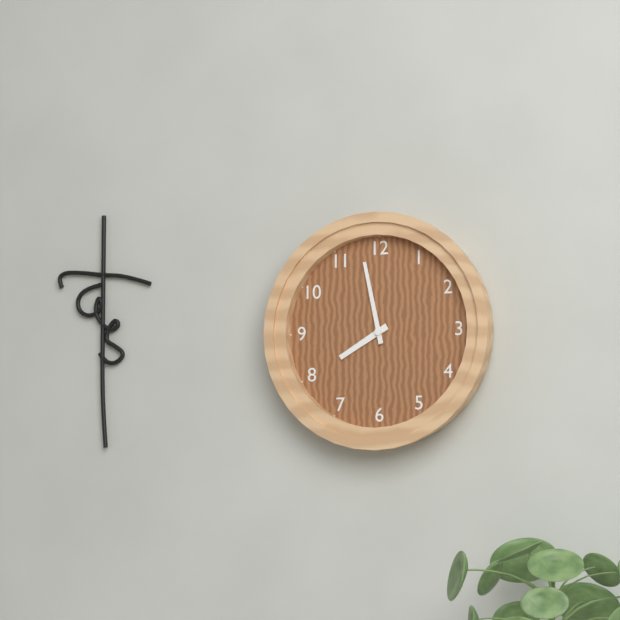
7:58
